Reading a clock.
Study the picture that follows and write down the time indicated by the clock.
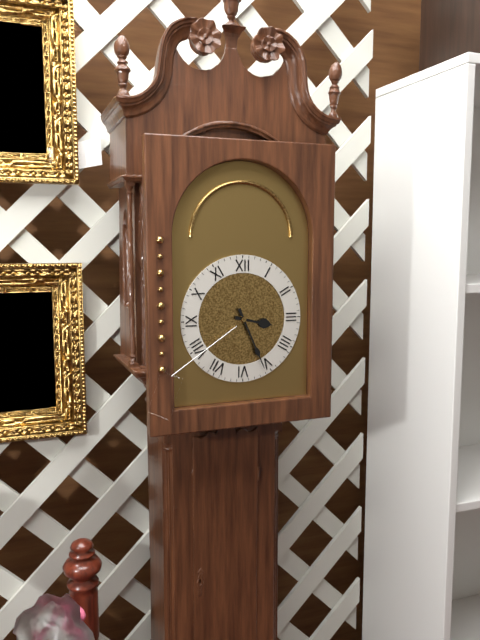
3:26
